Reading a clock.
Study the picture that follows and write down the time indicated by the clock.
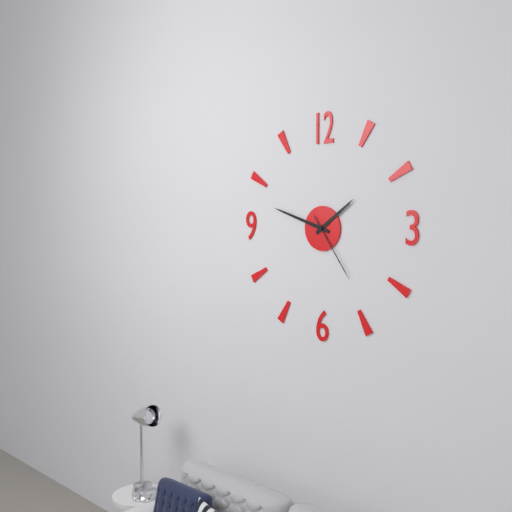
1:48:24
